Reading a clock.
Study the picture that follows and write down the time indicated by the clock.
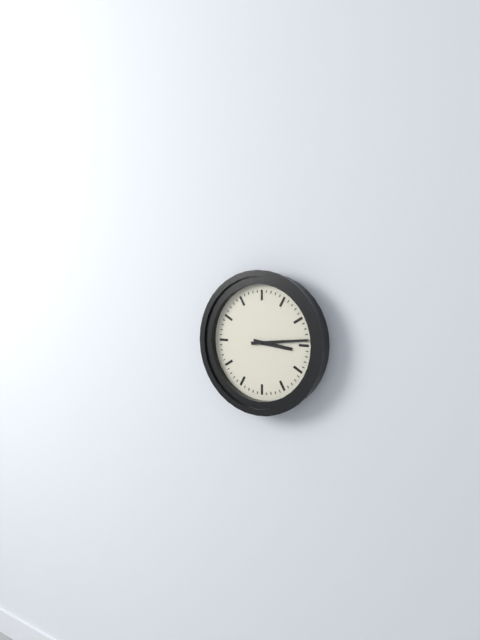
3:14
